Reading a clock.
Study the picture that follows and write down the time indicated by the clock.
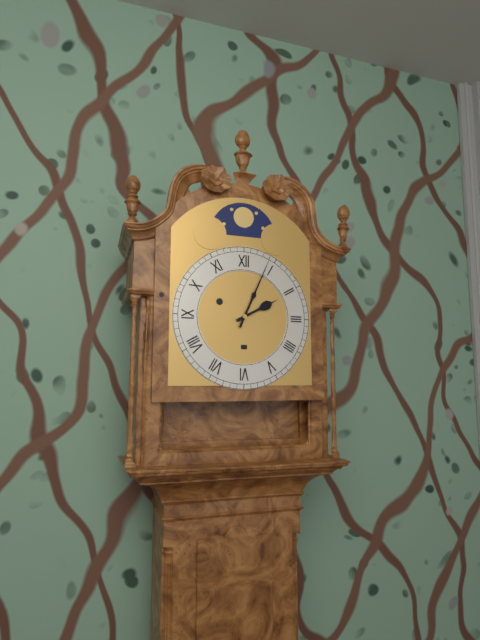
2:04
